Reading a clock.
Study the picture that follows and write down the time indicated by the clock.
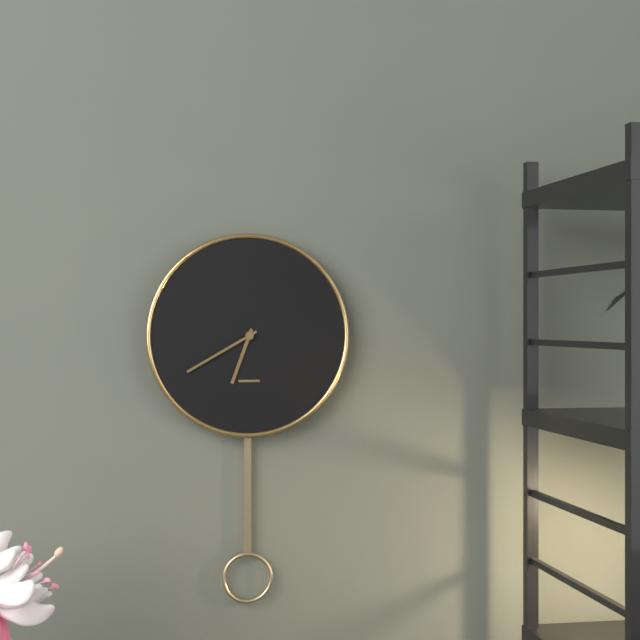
6:40
